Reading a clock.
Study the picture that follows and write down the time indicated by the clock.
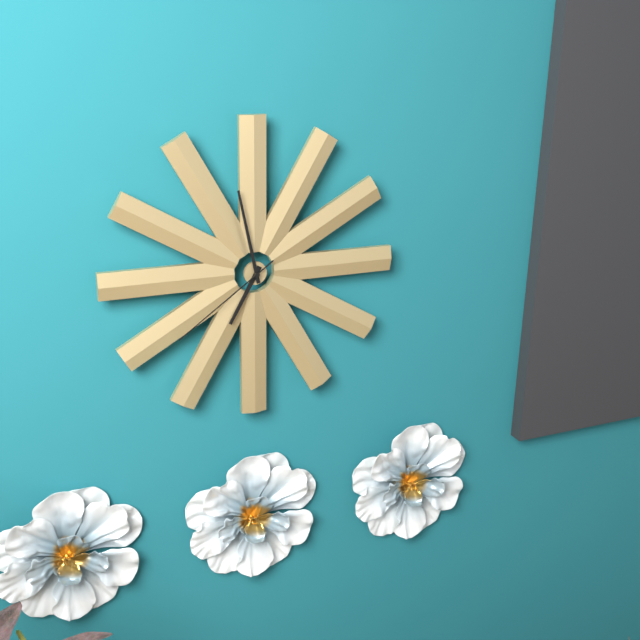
6:58:39
